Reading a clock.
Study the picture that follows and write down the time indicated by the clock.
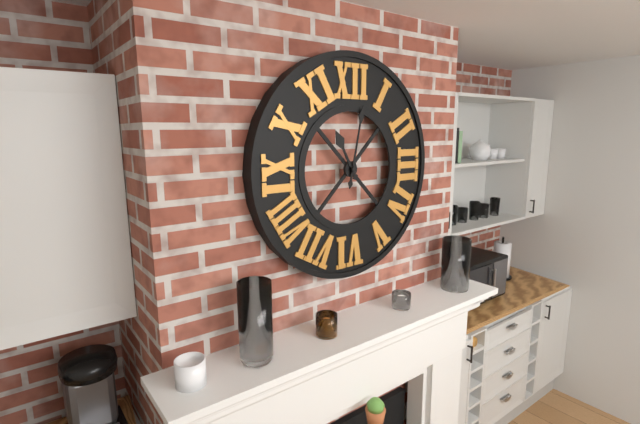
11:02
